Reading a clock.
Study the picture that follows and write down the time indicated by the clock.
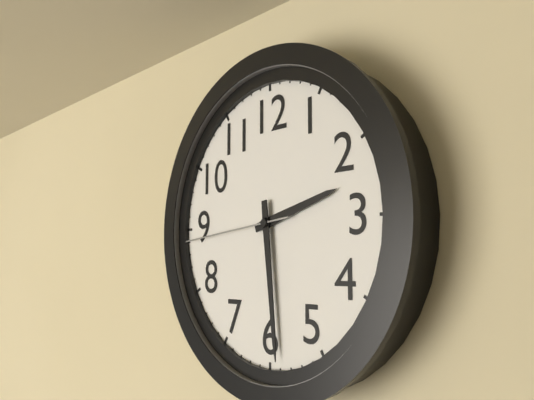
2:29:44
